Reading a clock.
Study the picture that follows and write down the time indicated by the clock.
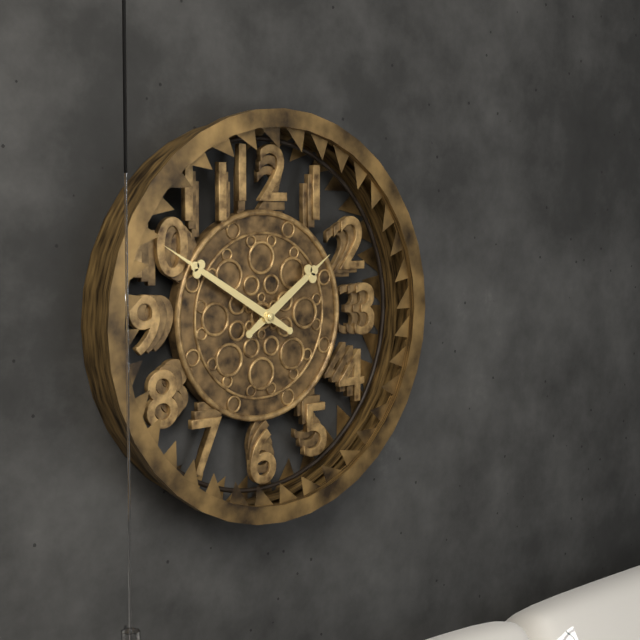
1:50
